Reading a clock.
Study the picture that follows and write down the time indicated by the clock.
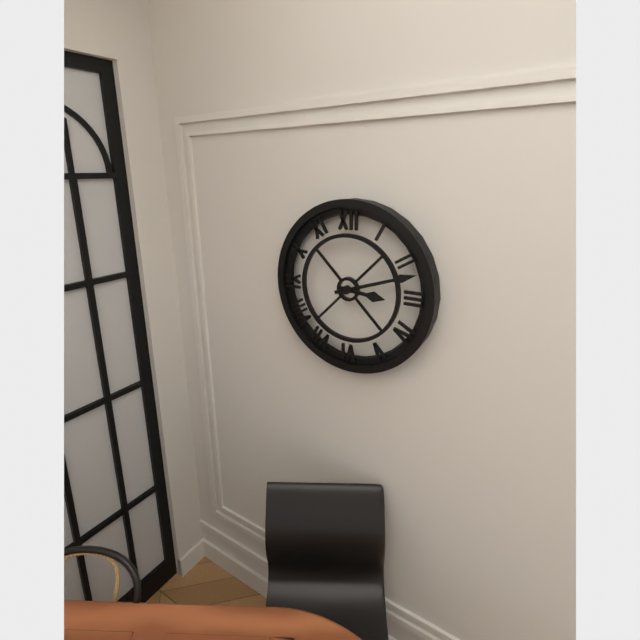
3:12
